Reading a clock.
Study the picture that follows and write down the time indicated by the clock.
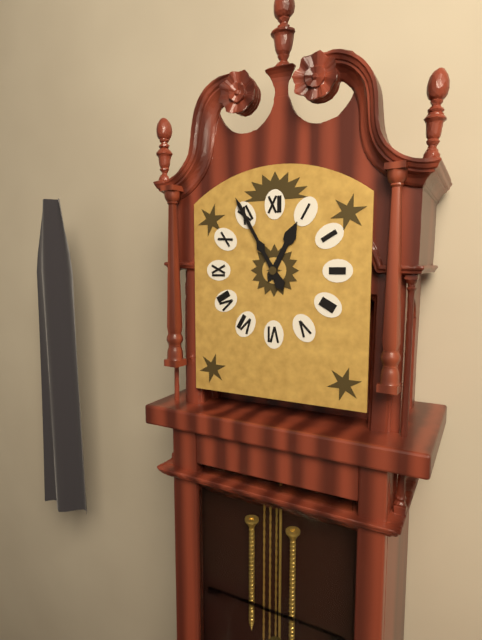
12:55
